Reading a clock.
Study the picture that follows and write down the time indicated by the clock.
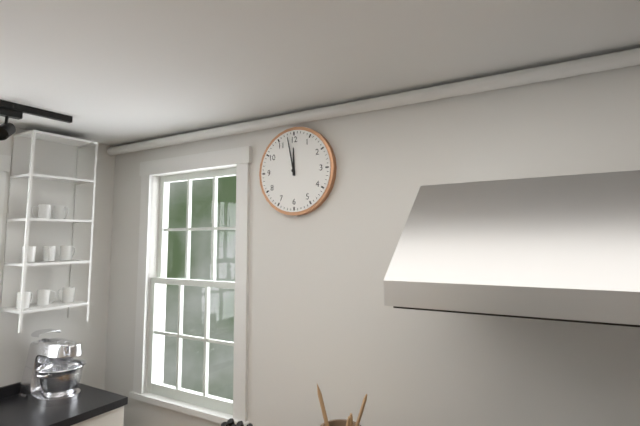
11:58
